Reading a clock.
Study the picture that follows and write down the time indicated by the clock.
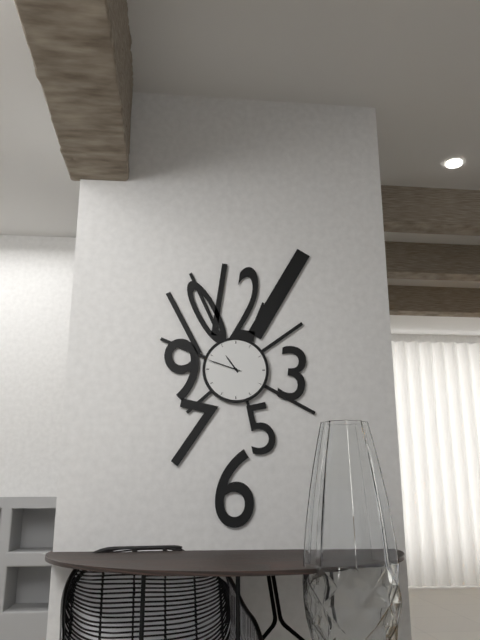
10:48
